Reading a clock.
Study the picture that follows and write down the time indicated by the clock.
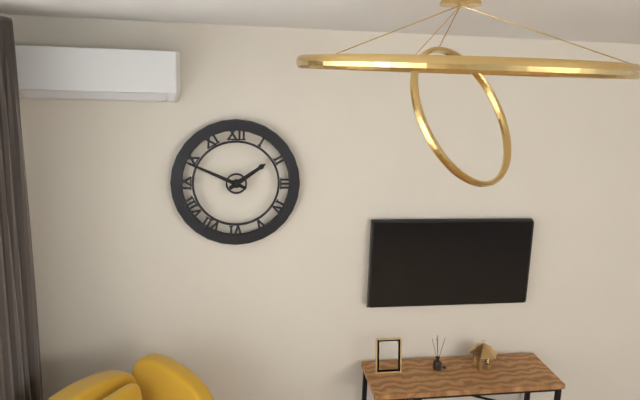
1:49
